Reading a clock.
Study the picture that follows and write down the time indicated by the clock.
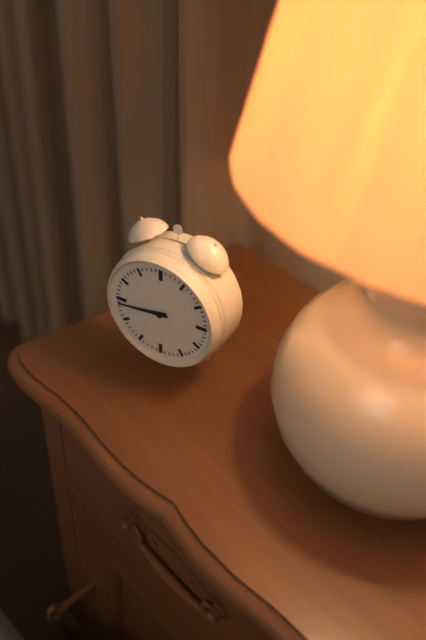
8:44
